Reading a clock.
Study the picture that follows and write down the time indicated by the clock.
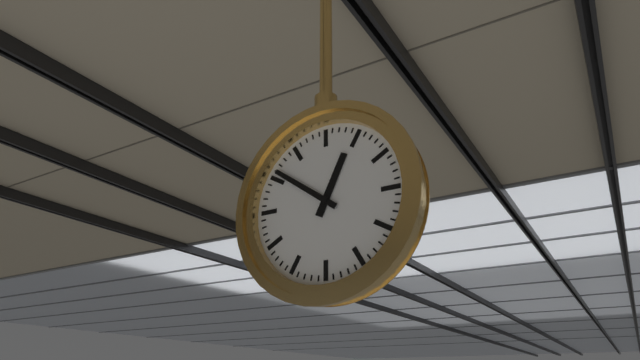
12:51
